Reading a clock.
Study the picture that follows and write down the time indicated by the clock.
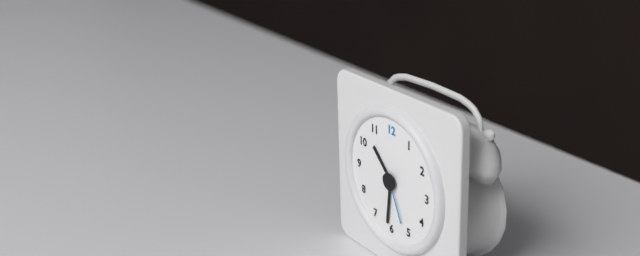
10:31:26
